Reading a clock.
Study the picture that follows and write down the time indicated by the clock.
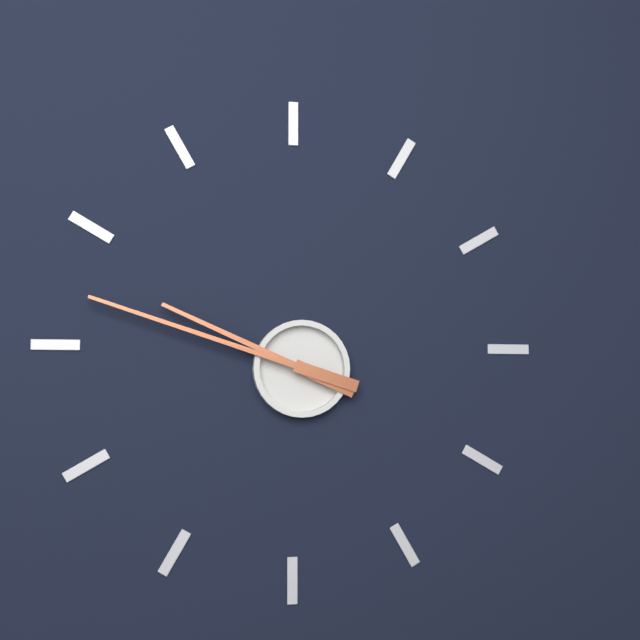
9:48
